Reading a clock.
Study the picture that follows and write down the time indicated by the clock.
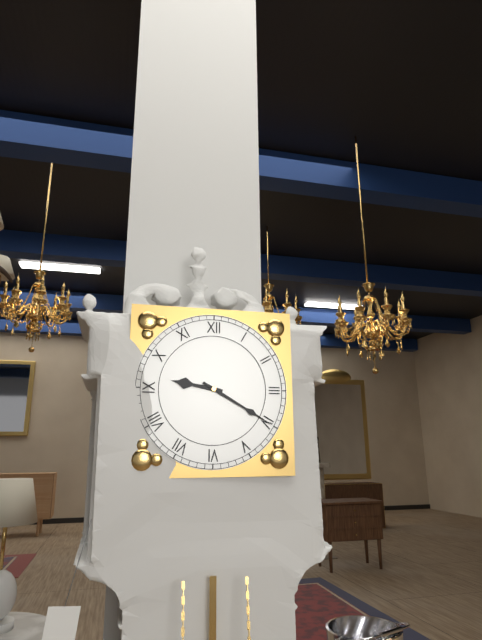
9:20
